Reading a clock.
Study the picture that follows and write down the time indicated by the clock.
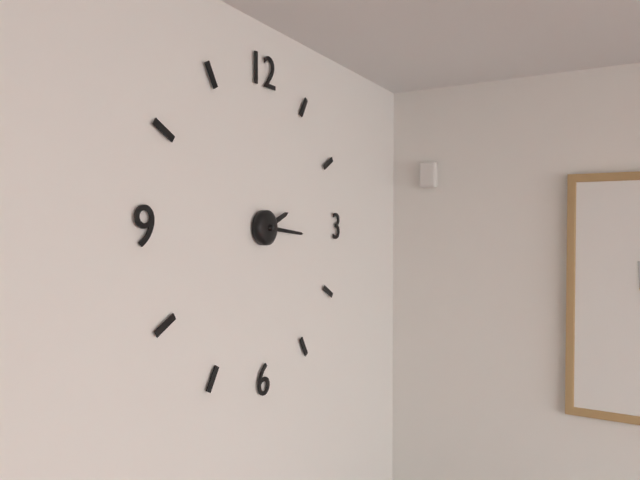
2:16
